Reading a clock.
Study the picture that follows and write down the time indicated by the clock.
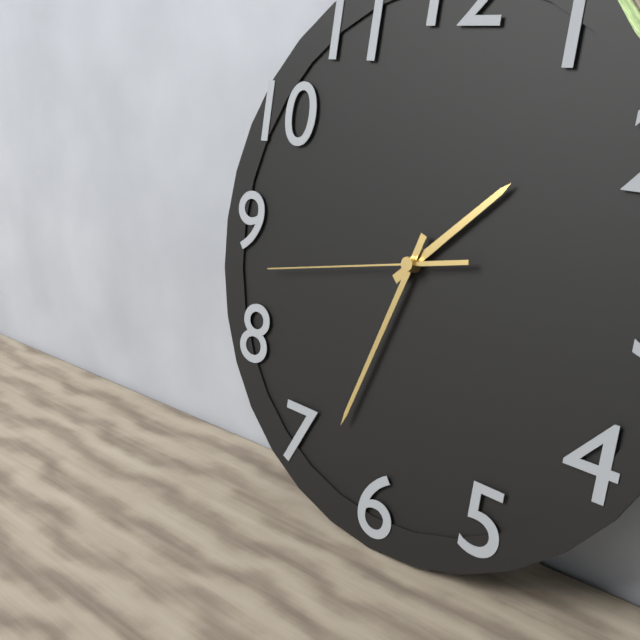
1:33:43
